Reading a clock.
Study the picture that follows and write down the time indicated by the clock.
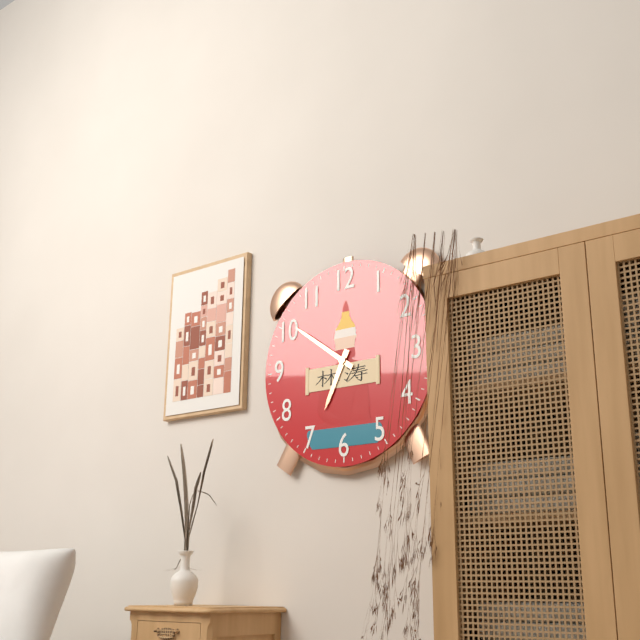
6:51
